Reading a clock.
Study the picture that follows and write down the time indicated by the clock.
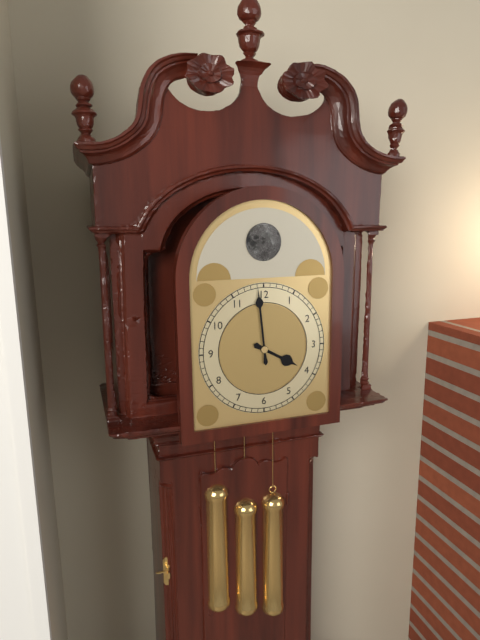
3:59
